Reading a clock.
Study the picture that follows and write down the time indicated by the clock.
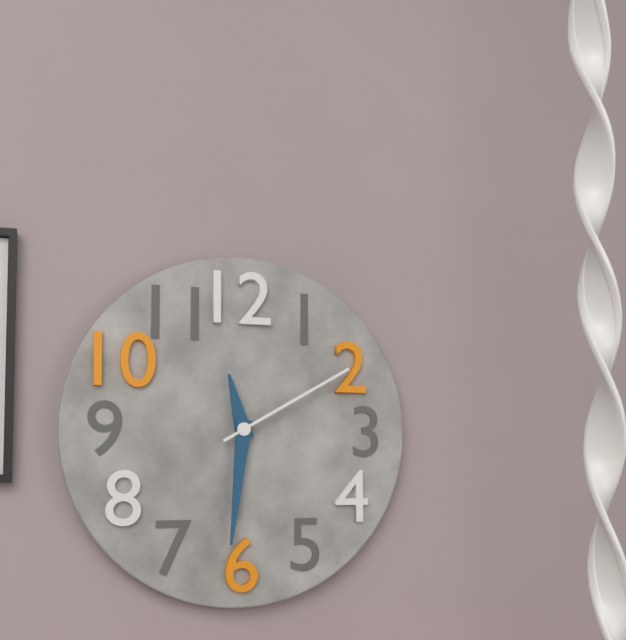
11:31:10
